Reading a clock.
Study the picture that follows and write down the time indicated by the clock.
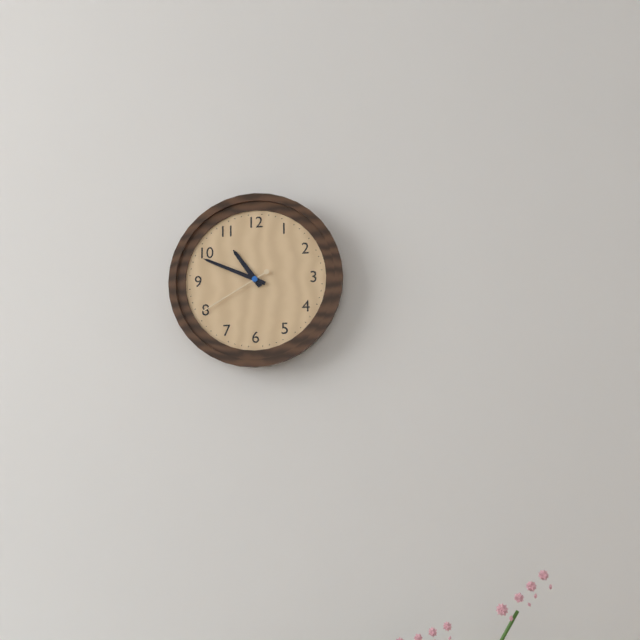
10:49:40
